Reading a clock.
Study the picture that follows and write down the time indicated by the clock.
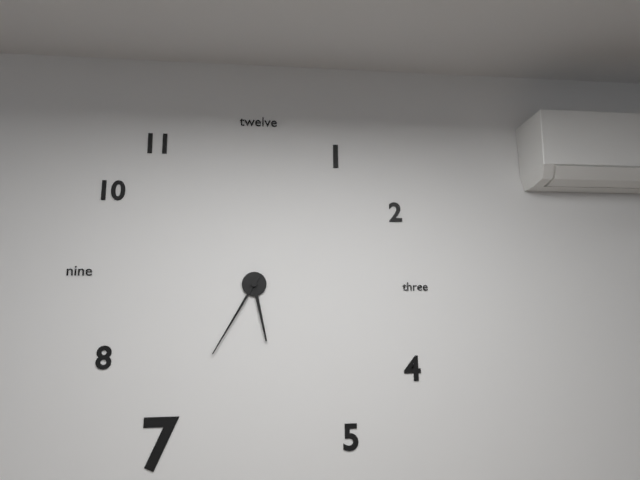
5:35
